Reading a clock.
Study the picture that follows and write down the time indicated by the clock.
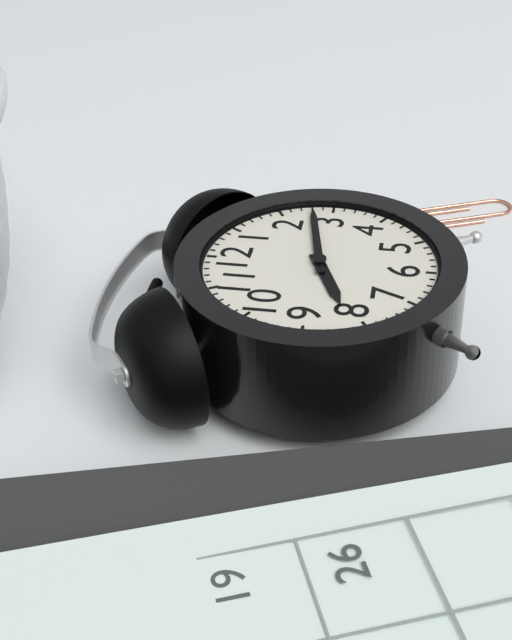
8:13
